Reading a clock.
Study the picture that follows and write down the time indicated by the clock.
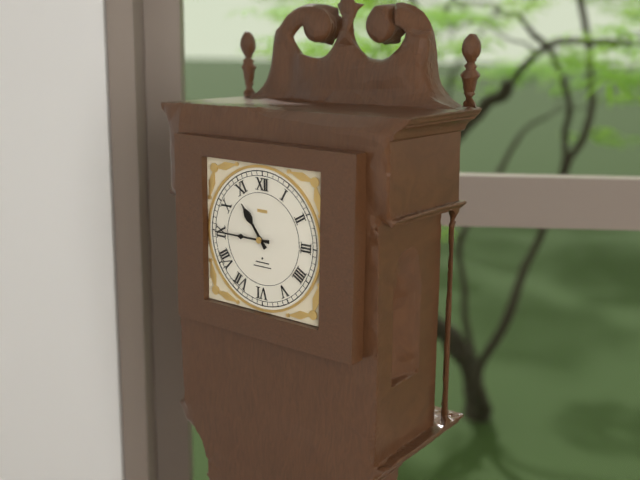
10:45
